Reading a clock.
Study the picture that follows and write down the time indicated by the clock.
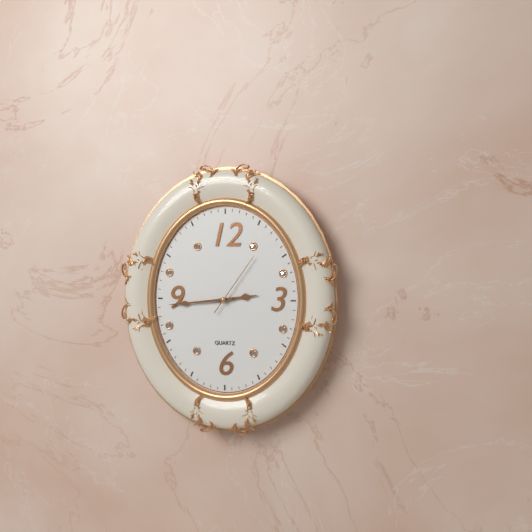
2:44:06
